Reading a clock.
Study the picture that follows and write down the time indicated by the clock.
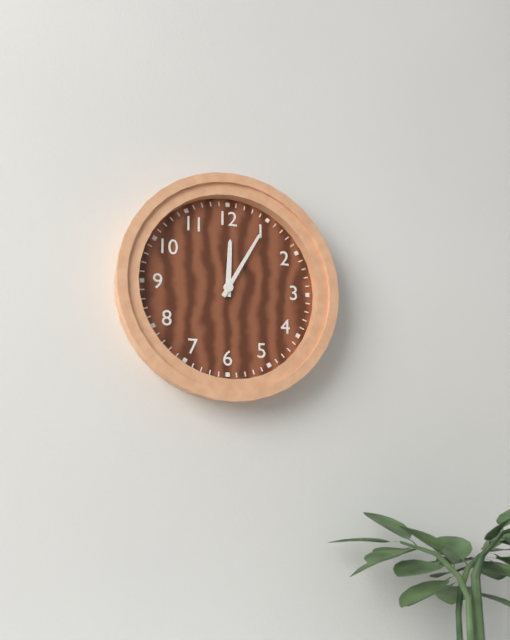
12:05
